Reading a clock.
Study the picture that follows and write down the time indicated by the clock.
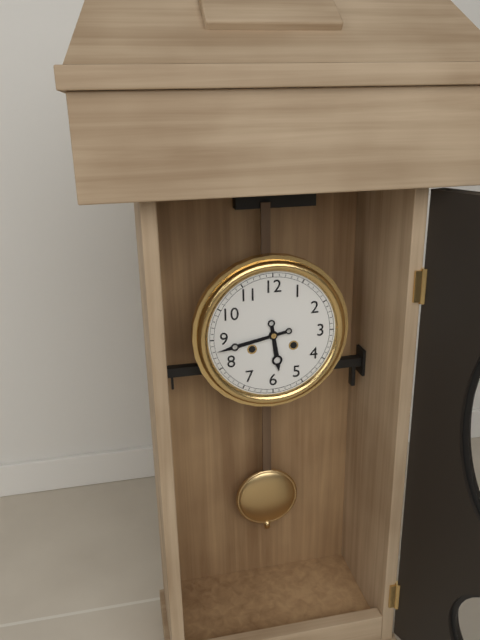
5:43
